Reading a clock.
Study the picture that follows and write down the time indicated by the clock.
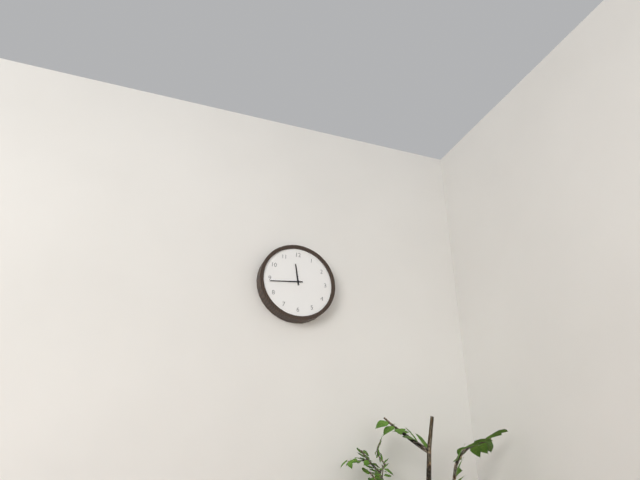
11:44
